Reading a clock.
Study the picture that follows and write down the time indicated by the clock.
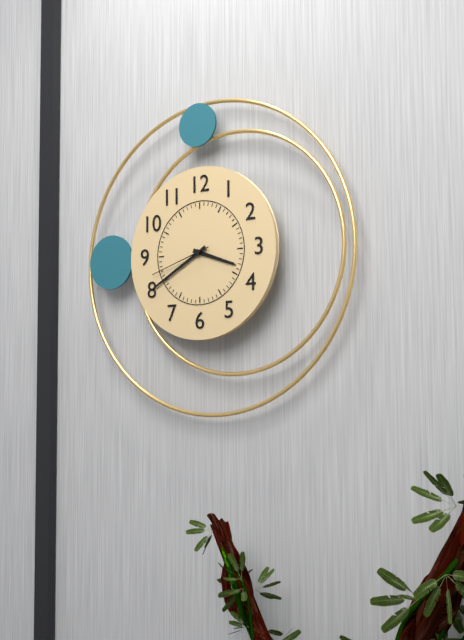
3:40:42
